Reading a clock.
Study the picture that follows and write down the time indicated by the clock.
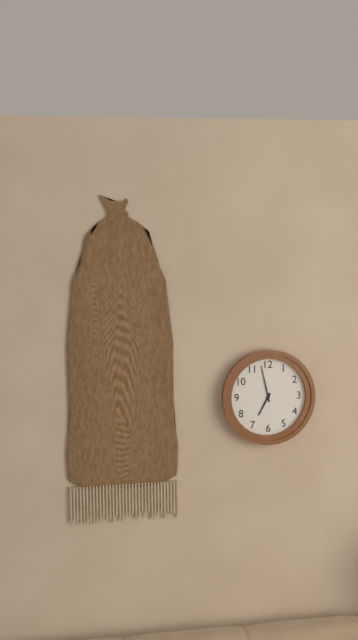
6:58
